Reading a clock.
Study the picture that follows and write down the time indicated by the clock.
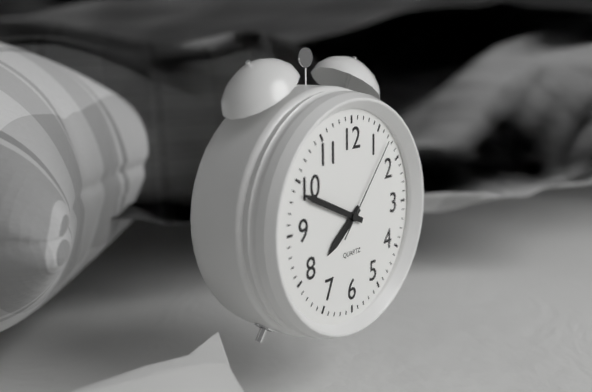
7:49:07
